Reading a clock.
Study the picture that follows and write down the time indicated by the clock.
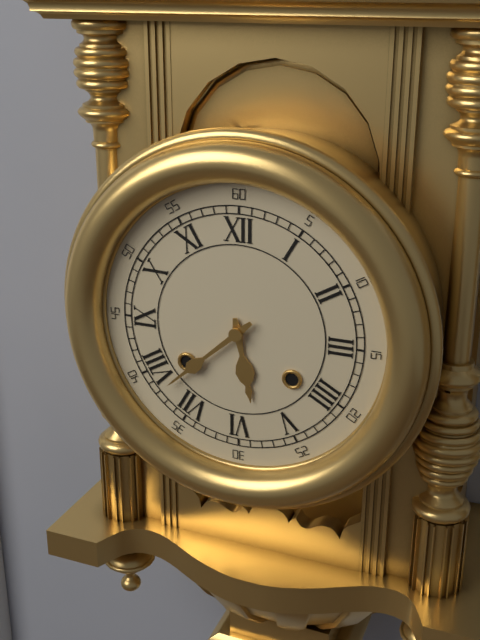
5:38
